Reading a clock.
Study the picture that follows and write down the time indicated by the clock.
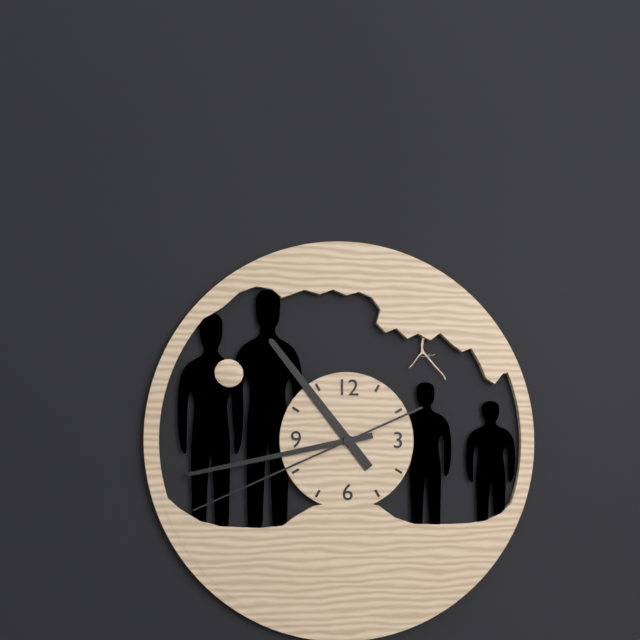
10:43:41
